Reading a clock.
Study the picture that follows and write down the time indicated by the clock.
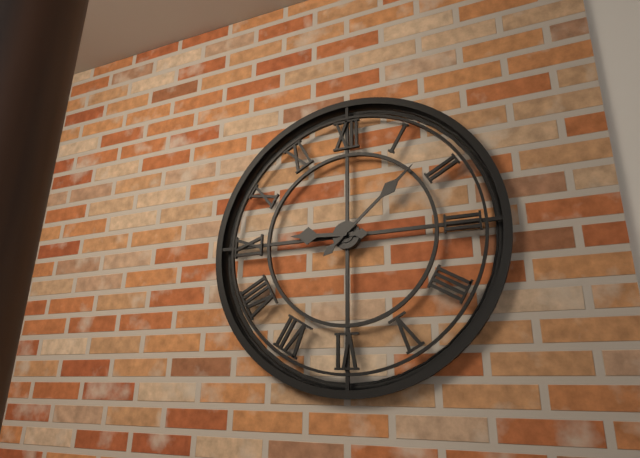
9:08
